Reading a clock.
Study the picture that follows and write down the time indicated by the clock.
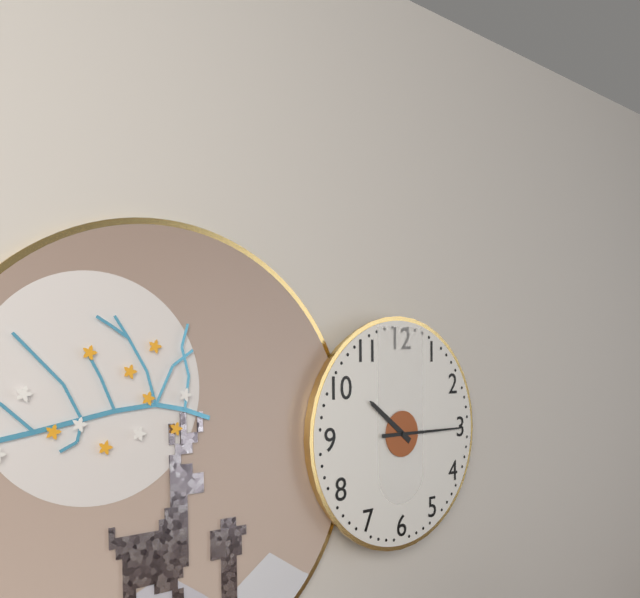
10:15
